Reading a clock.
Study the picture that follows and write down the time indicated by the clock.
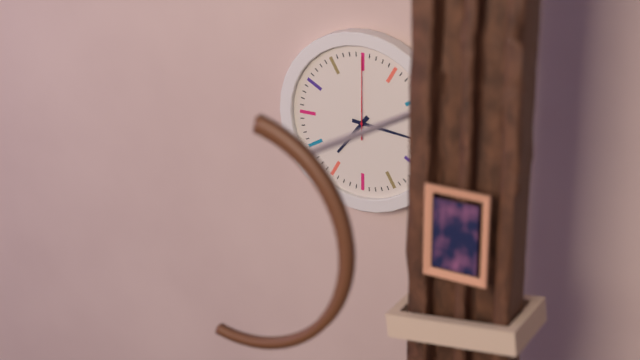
7:16:00
